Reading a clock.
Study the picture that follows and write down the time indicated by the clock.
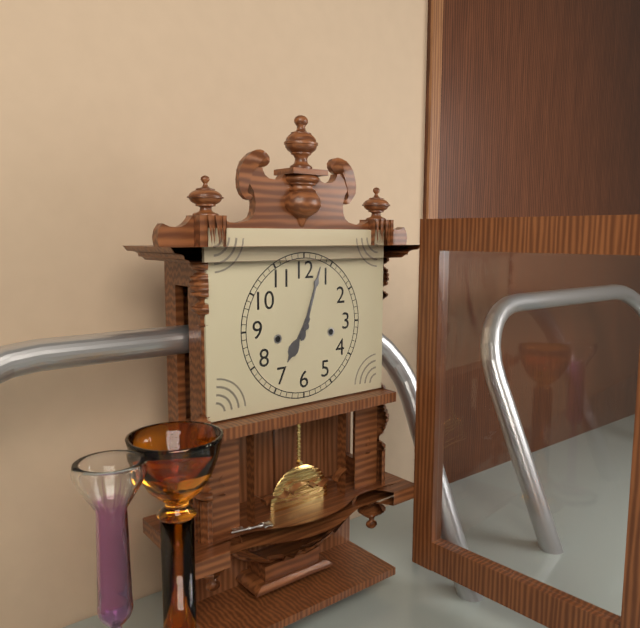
7:03
